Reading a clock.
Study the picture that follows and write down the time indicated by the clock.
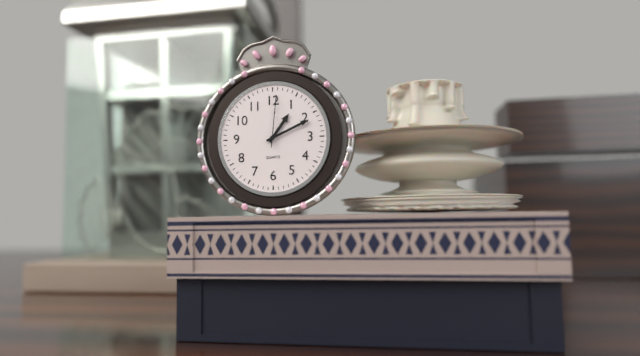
1:11:01
